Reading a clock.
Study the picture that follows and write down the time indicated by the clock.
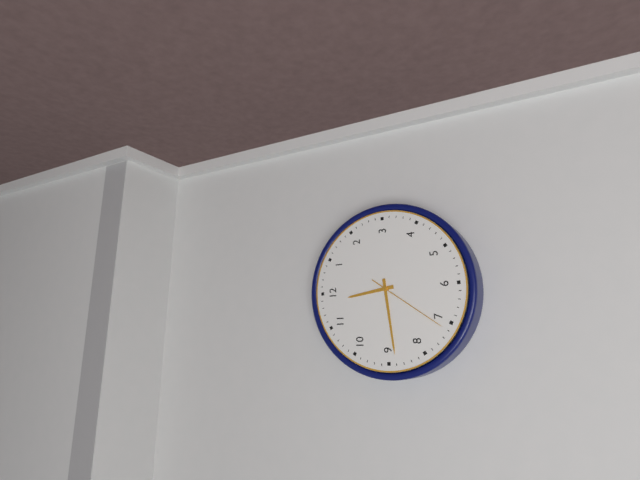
11:44:36
